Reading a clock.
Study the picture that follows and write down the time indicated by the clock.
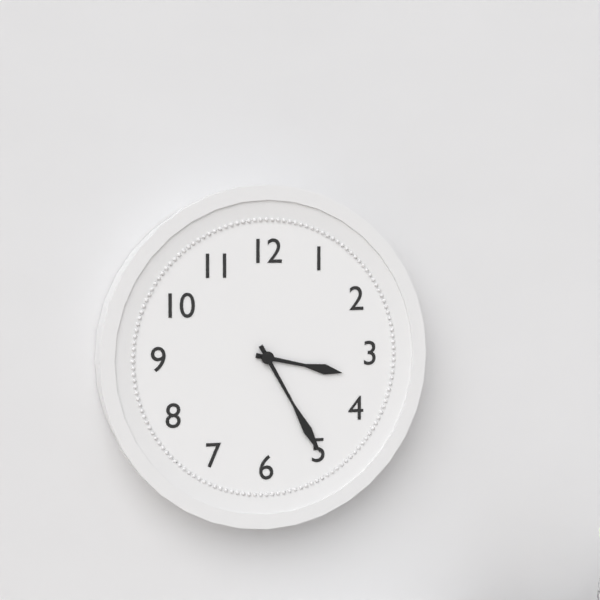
3:25
